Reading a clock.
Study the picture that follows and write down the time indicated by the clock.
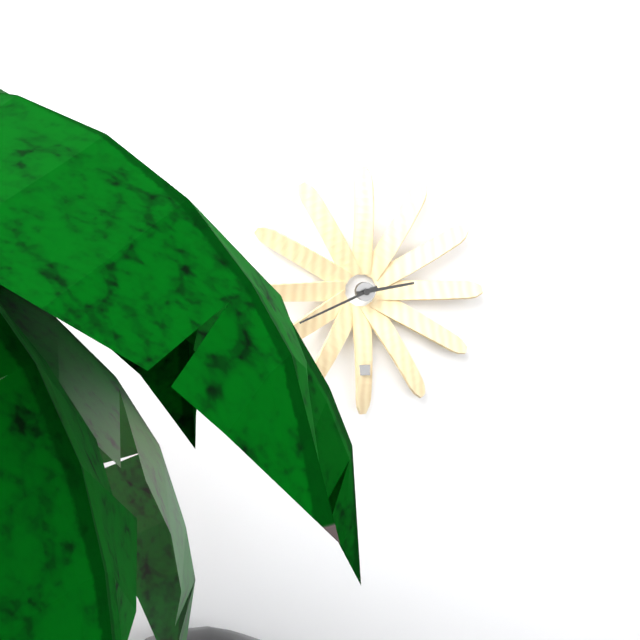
2:41
